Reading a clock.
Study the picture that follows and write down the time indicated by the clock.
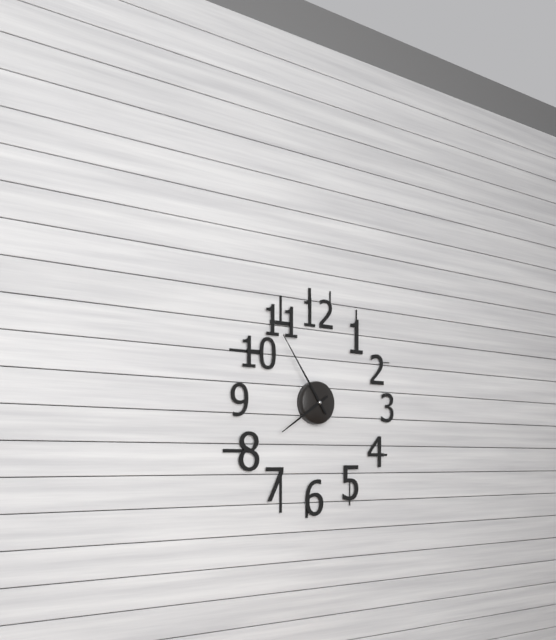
7:54
